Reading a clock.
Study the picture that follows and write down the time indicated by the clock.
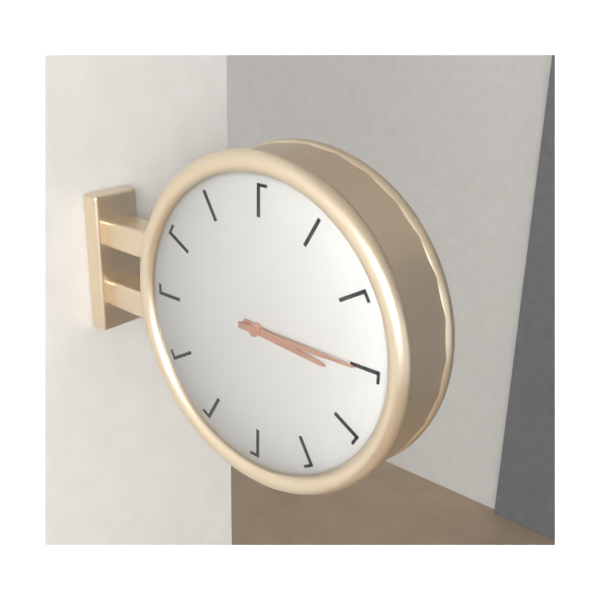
3:15
